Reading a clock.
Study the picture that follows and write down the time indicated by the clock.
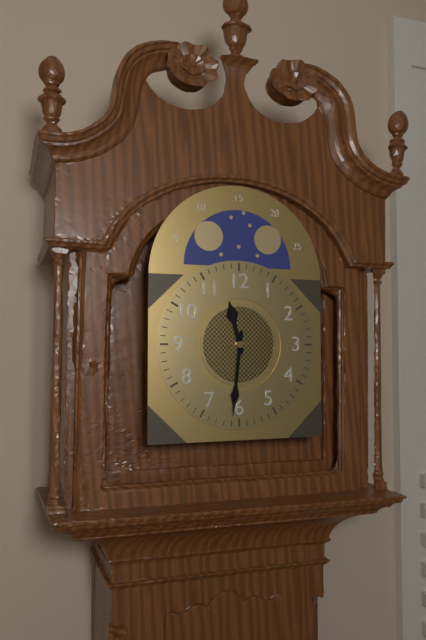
11:31
